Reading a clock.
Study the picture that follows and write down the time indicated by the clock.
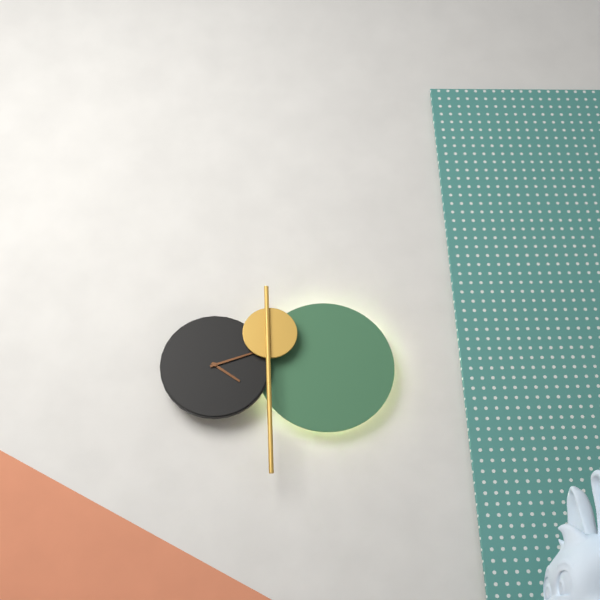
4:12
